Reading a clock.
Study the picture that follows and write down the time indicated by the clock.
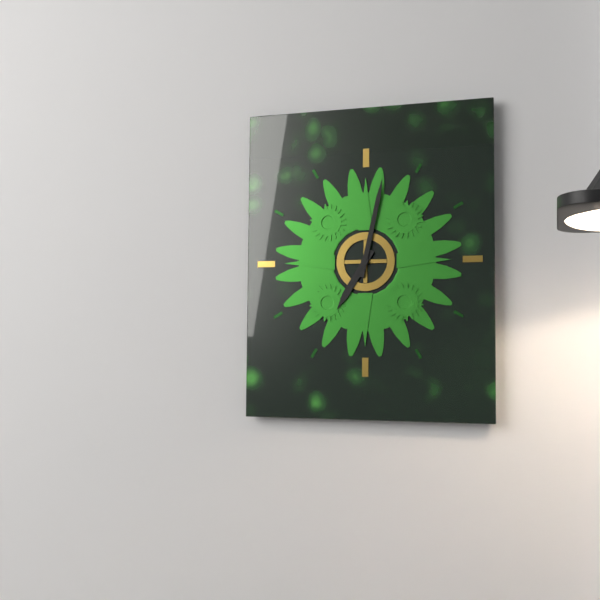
7:02
